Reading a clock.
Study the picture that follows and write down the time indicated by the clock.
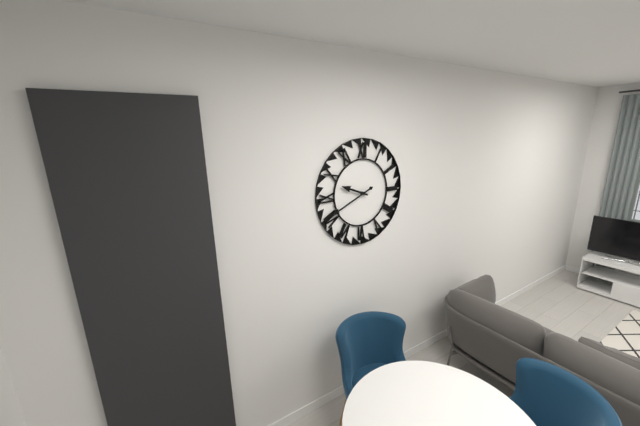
9:41
